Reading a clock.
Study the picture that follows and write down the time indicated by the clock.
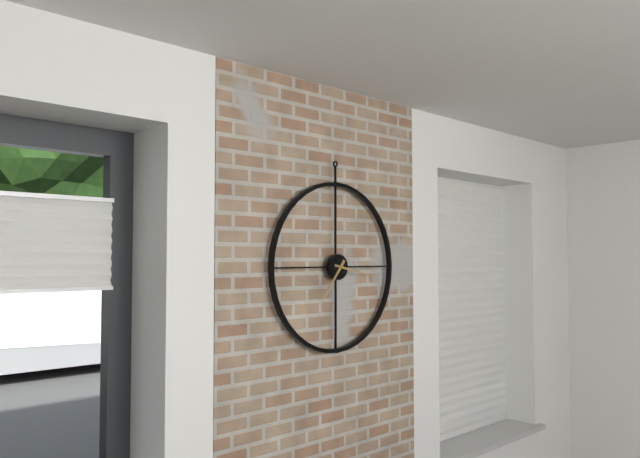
7:17
